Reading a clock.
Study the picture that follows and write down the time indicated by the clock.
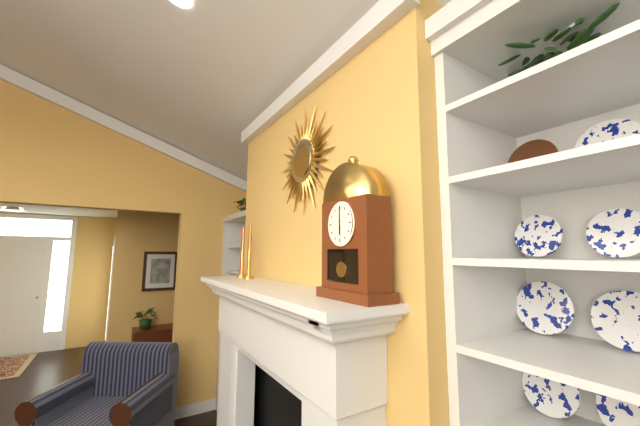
6:00
